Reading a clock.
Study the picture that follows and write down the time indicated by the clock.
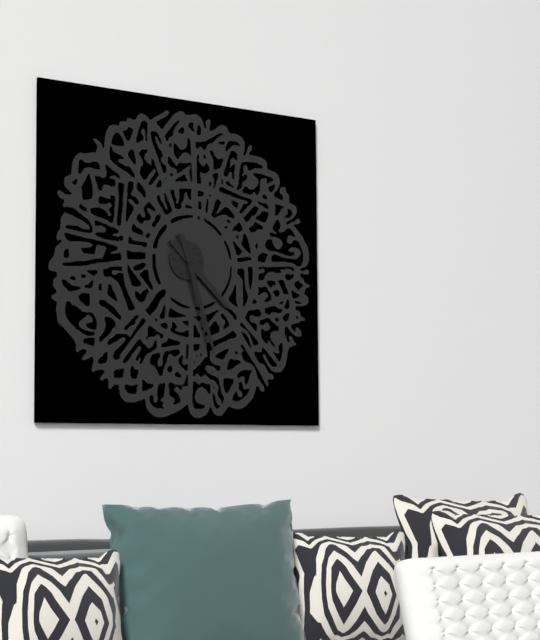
4:27
